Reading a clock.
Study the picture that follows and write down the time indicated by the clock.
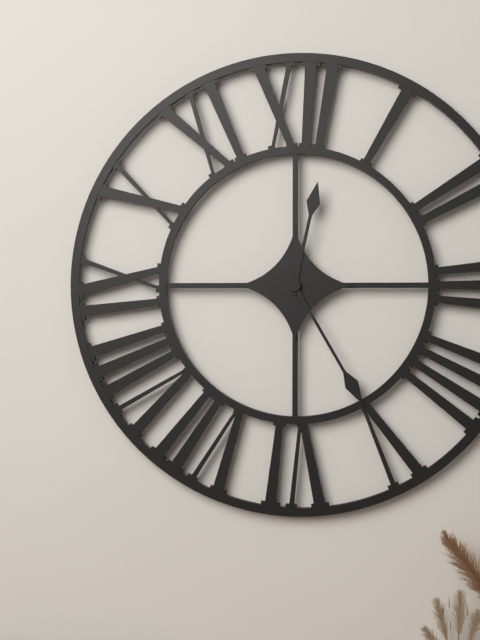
12:25
